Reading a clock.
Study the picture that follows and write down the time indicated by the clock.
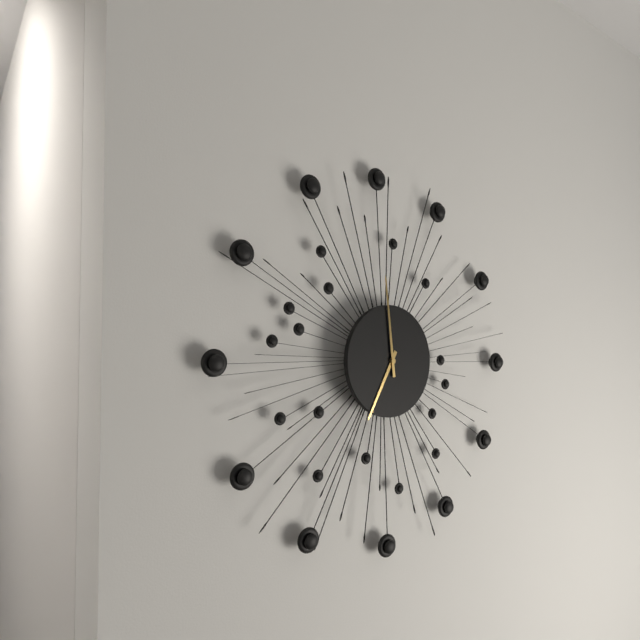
6:59
